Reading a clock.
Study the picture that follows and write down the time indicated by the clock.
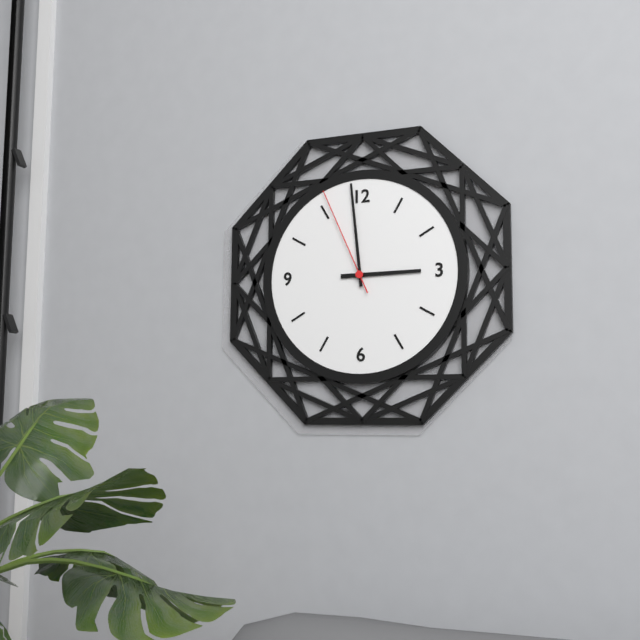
2:59:56
